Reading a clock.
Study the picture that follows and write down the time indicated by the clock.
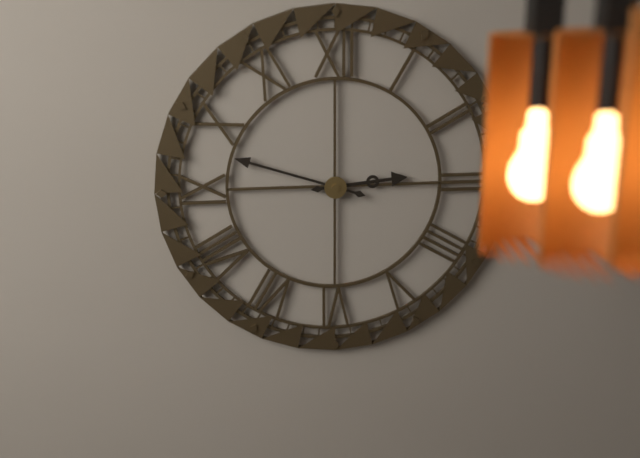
2:48
